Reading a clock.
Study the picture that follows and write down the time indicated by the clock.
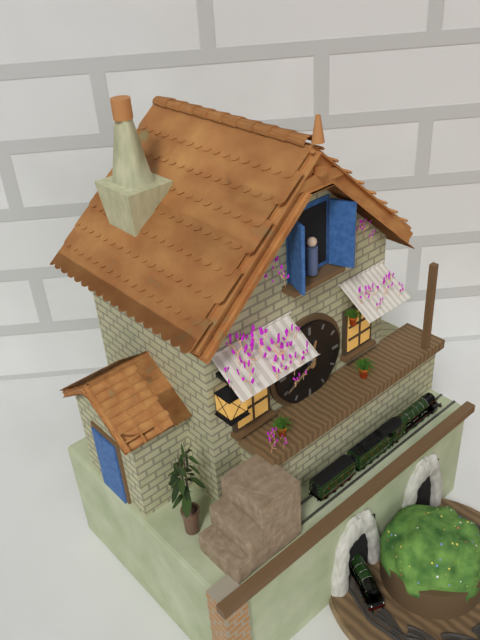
12:40
